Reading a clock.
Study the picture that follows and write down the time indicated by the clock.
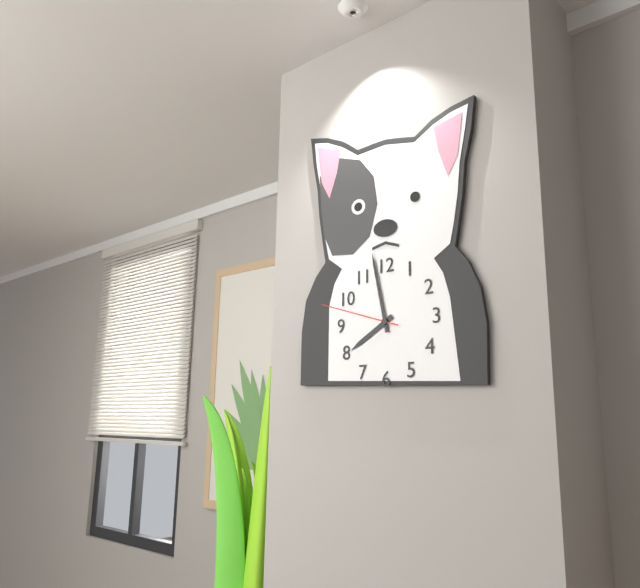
7:58:48
